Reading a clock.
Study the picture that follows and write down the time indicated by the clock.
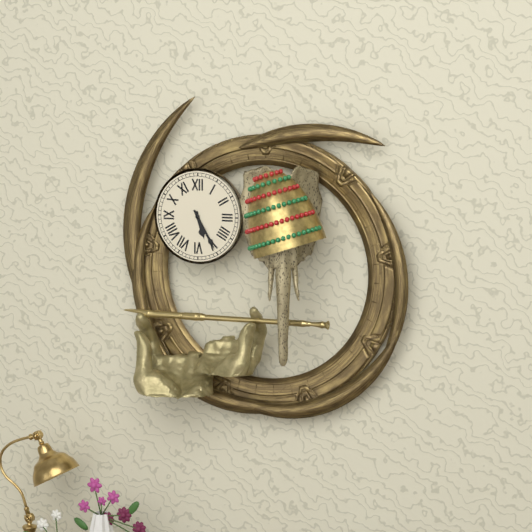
5:25
